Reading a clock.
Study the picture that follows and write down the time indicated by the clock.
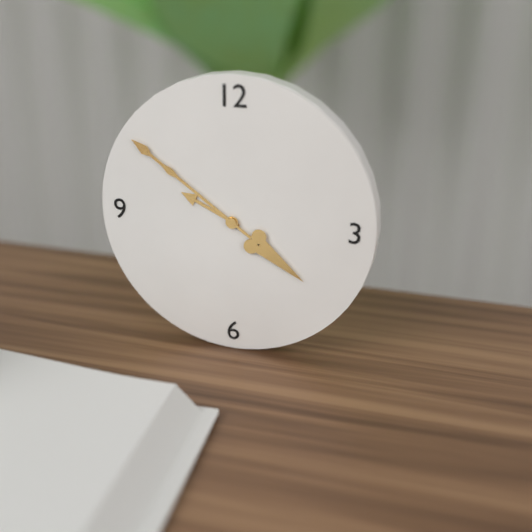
9:51
